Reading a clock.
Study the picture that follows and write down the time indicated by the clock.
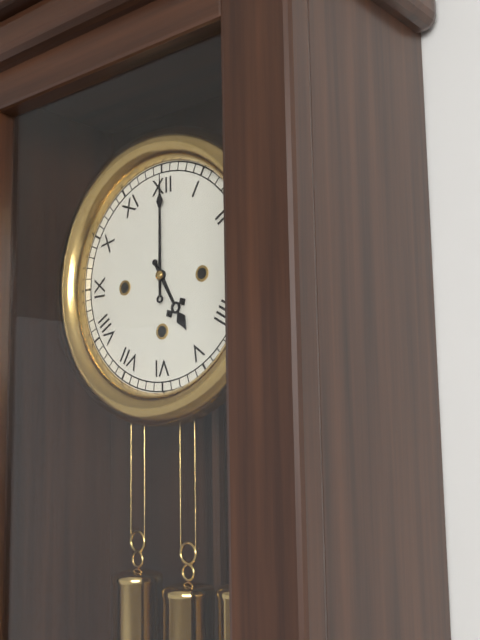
5:00
